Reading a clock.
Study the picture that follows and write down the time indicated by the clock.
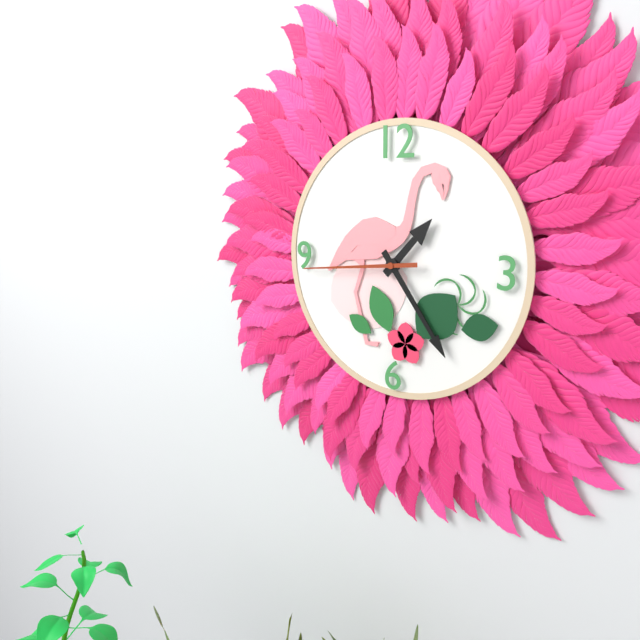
1:24:44
